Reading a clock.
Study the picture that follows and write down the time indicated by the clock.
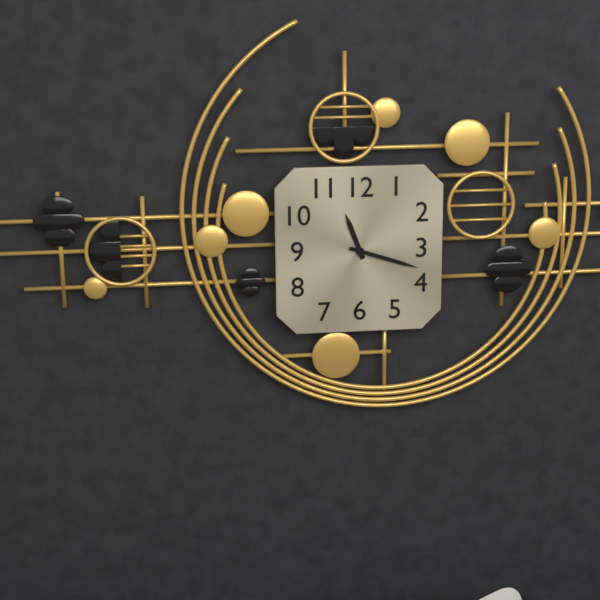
11:18
